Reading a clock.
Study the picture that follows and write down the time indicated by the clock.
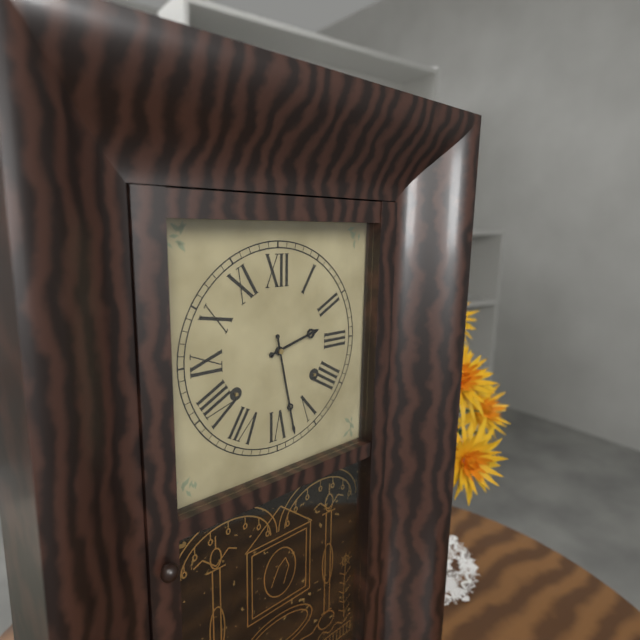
2:28
